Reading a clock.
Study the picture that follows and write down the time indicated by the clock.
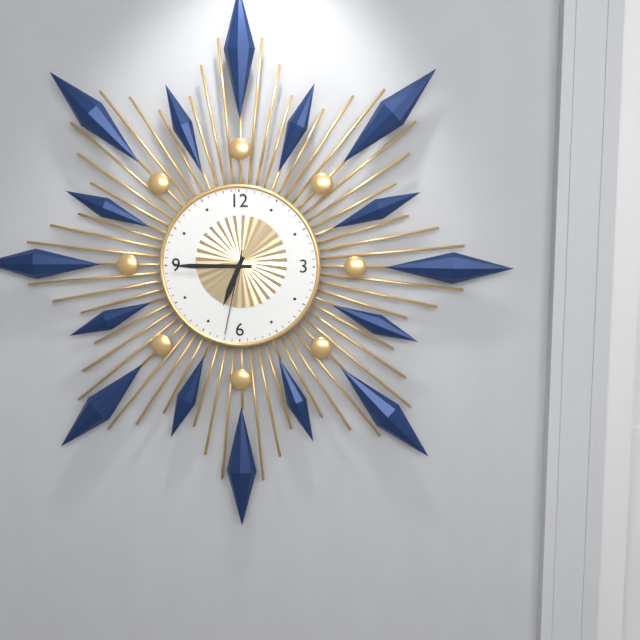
6:45:32
